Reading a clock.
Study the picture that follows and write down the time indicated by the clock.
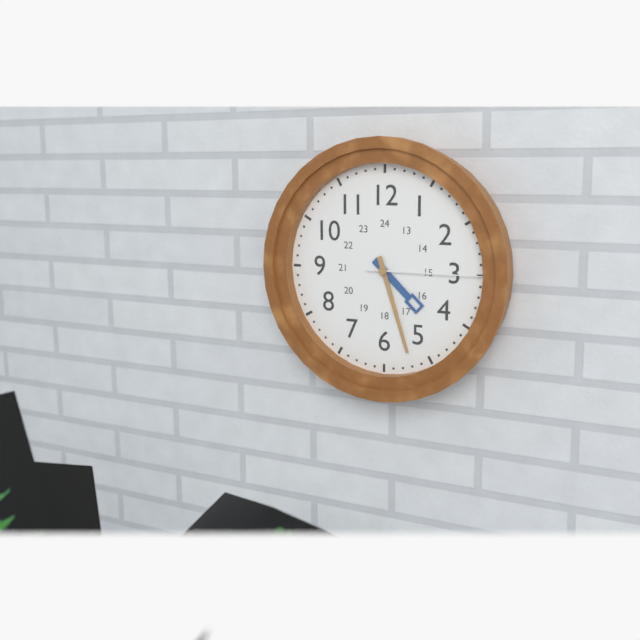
4:27:15
